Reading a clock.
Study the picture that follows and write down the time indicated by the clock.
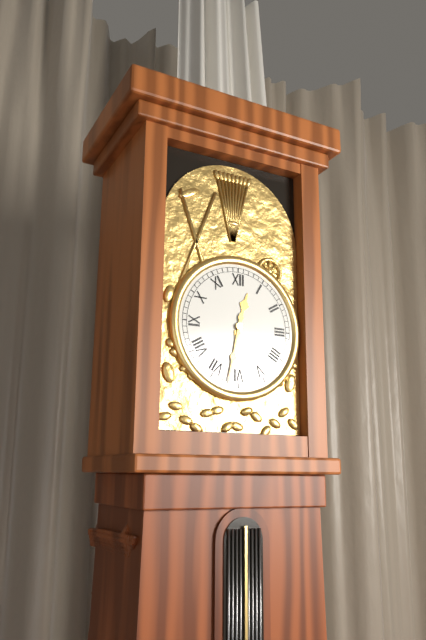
12:32
